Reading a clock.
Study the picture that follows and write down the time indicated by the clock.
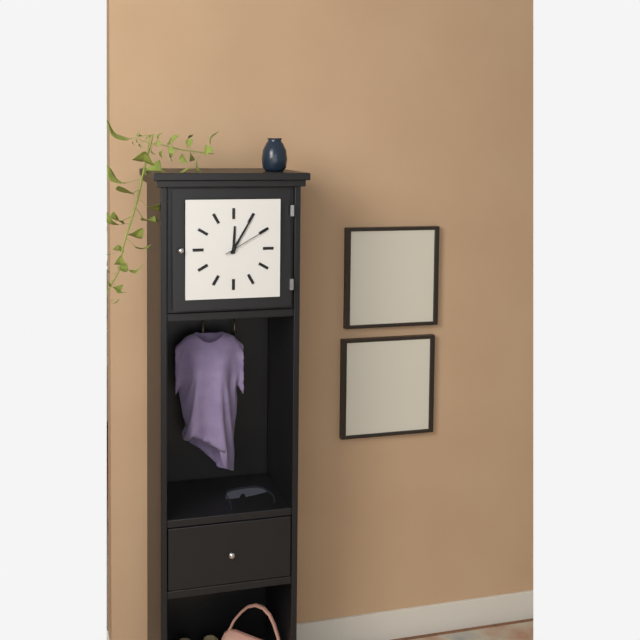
12:05
